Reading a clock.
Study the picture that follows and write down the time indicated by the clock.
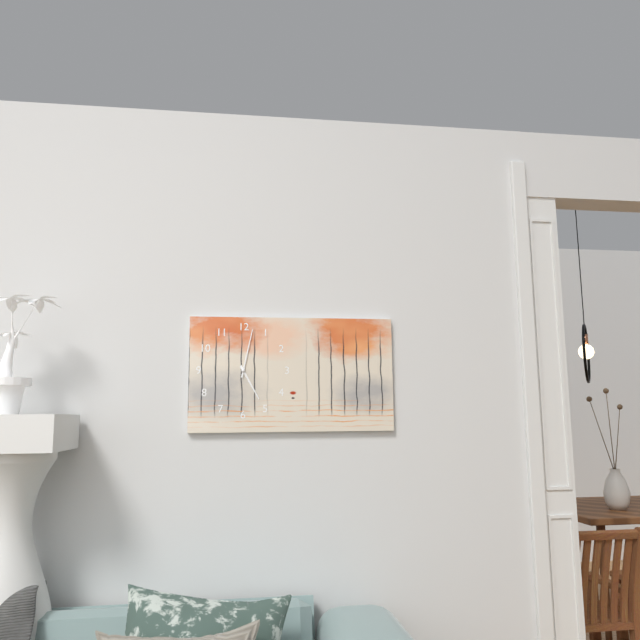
5:02
